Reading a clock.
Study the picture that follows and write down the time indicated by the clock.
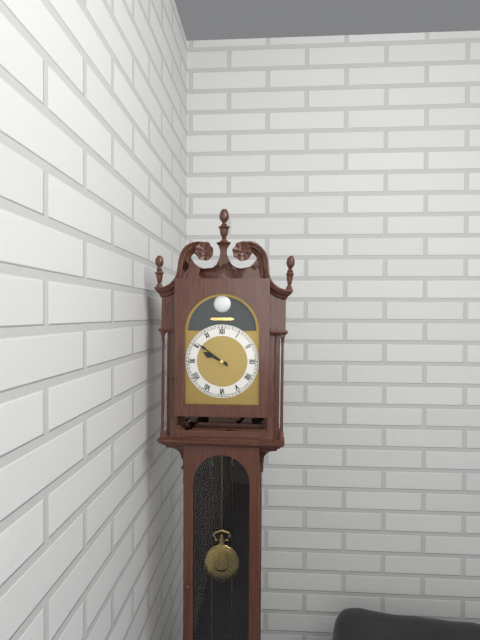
9:51
